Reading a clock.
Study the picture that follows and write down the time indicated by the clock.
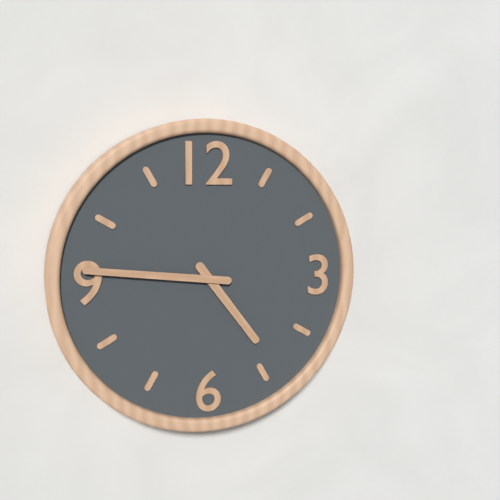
4:46
